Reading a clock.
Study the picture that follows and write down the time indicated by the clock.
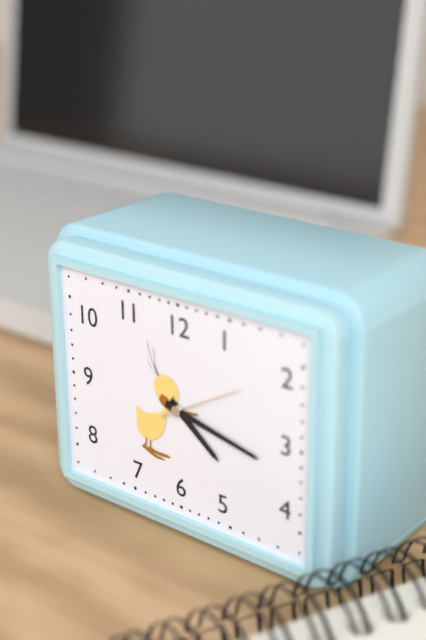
4:17
